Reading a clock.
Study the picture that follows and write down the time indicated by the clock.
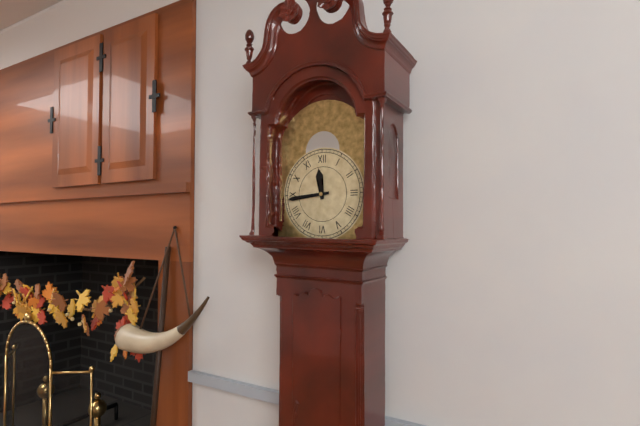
11:44
